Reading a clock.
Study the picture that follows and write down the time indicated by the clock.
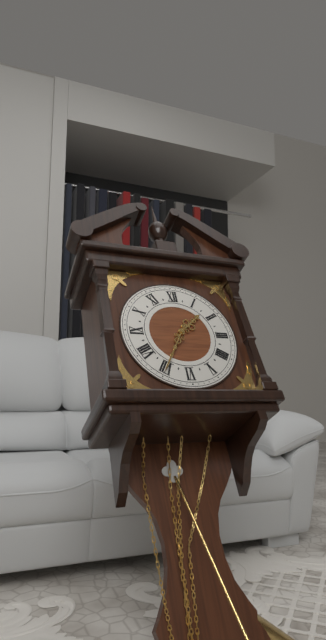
1:35
